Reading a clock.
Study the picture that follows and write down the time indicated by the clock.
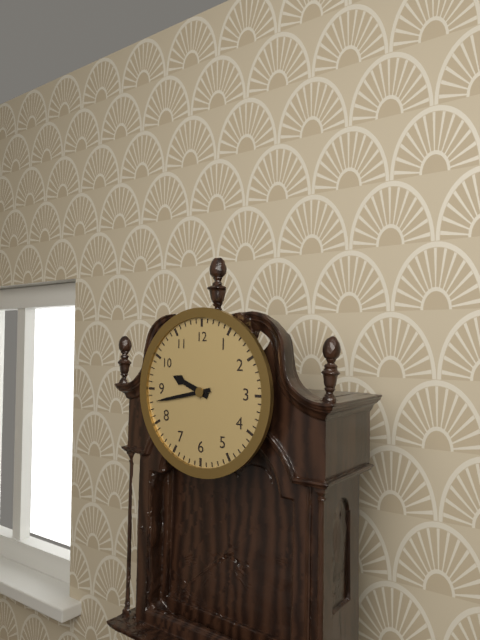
9:43
